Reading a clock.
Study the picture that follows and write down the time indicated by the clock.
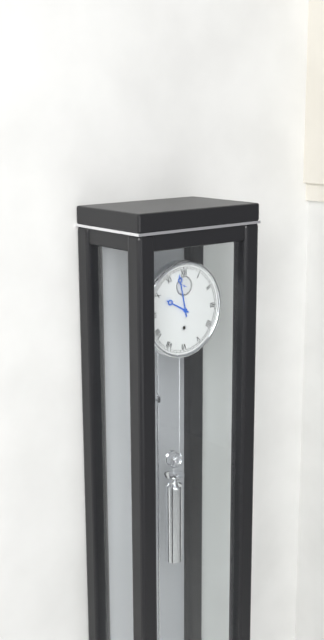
9:58
